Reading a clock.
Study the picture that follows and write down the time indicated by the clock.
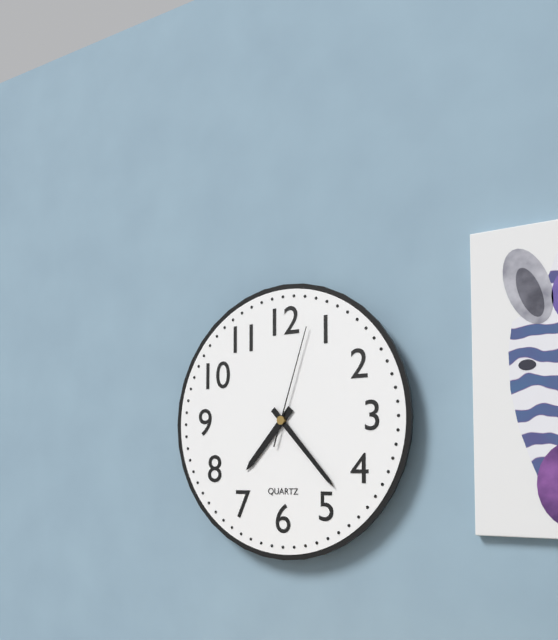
7:23:03
